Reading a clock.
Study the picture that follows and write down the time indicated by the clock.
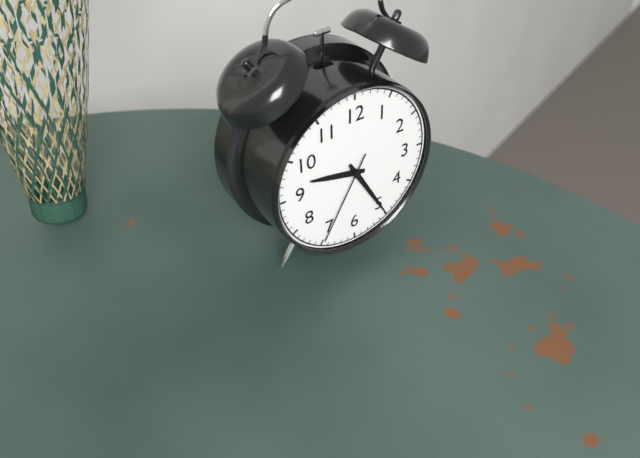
9:25:35
